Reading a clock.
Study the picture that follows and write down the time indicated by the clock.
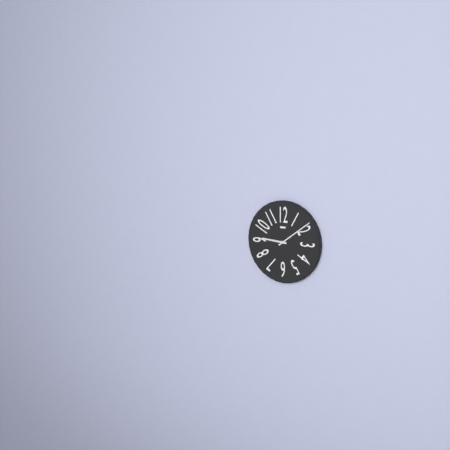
9:09
